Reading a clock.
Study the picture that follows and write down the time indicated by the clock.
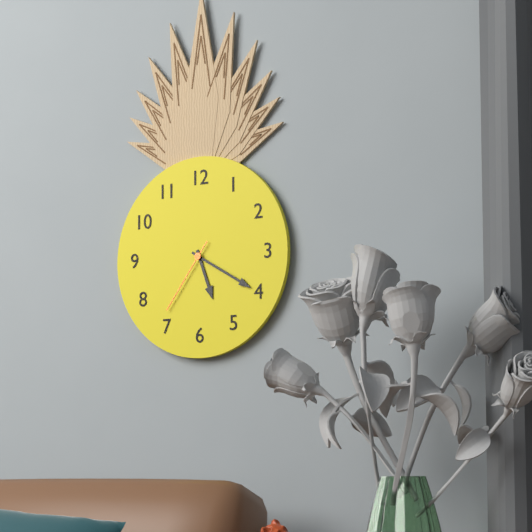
5:20:36
